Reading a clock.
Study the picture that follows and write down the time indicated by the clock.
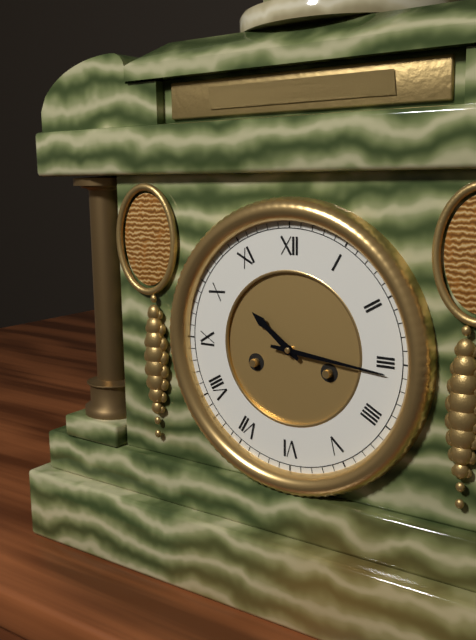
10:16
